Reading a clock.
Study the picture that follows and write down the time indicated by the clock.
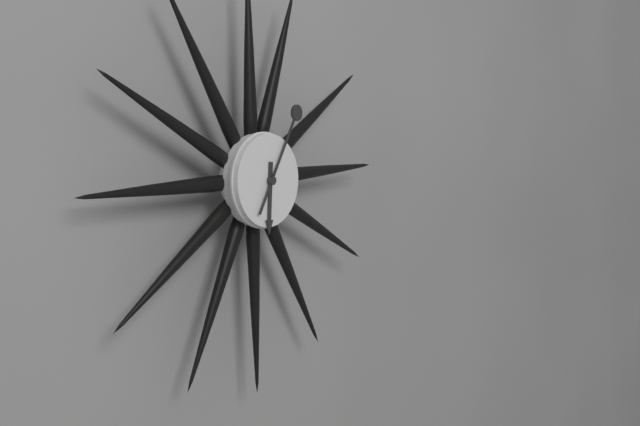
6:05
